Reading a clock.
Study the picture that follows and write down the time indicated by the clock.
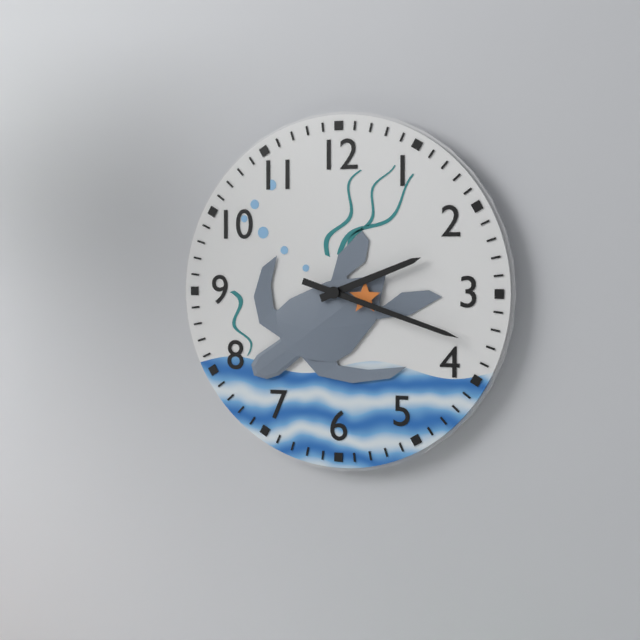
2:18
